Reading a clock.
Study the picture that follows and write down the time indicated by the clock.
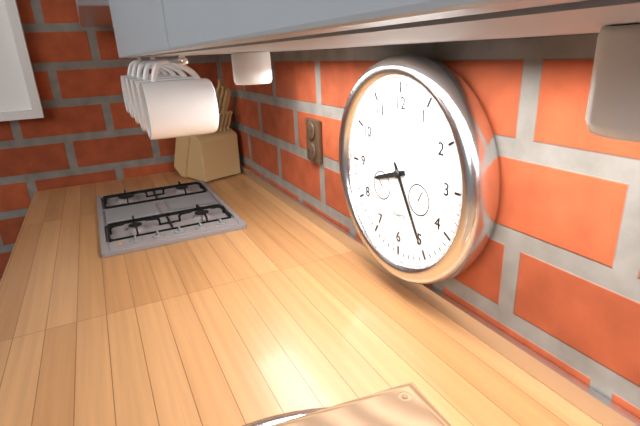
8:25
